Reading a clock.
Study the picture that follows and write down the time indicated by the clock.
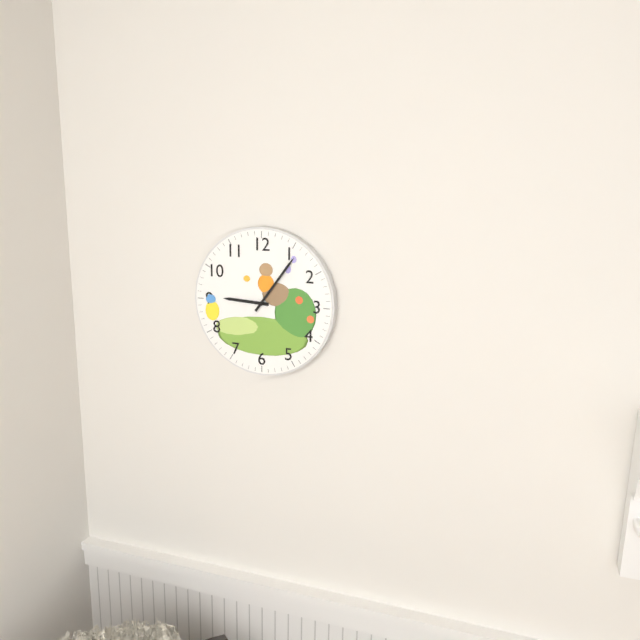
9:06
